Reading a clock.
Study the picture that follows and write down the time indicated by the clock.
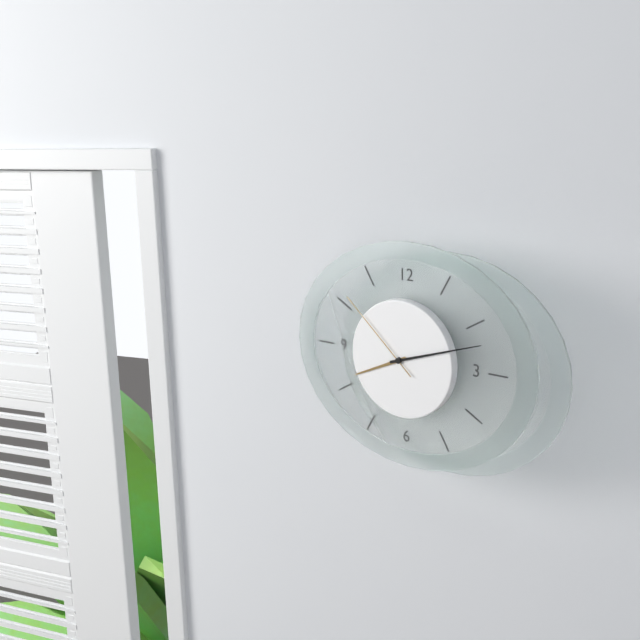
8:12:52
